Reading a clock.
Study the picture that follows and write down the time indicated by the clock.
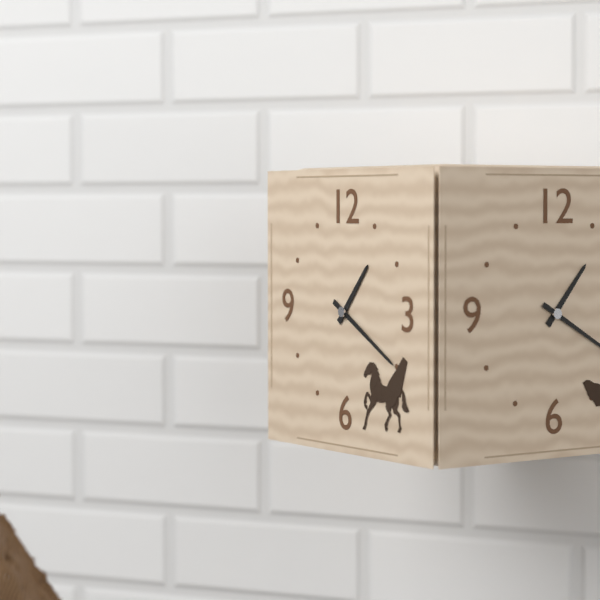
1:20
